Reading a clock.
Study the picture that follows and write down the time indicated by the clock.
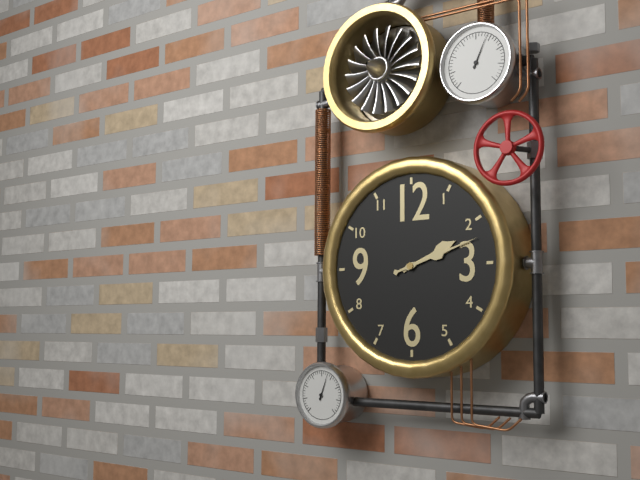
2:12
